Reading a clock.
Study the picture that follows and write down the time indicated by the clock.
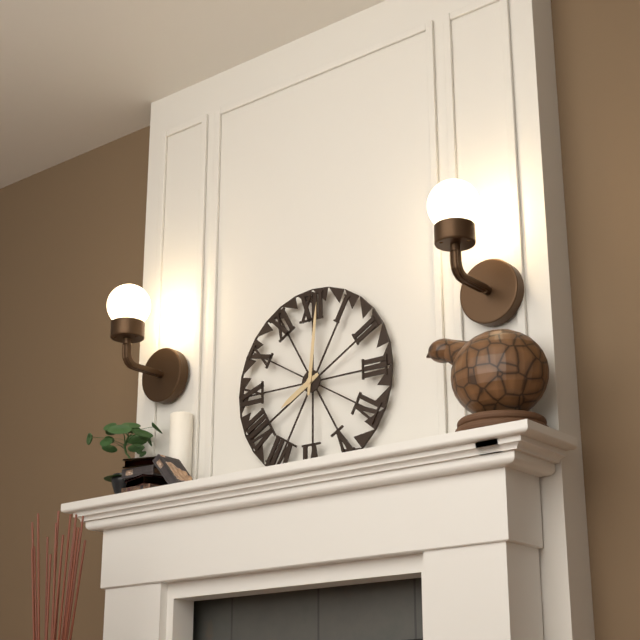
8:01
